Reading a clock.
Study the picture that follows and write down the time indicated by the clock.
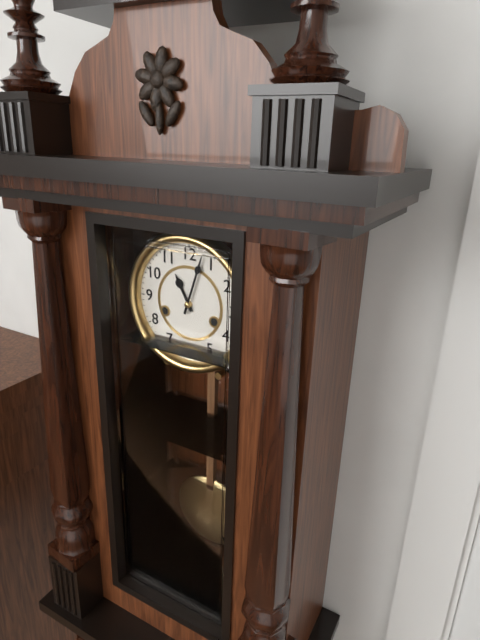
11:03
